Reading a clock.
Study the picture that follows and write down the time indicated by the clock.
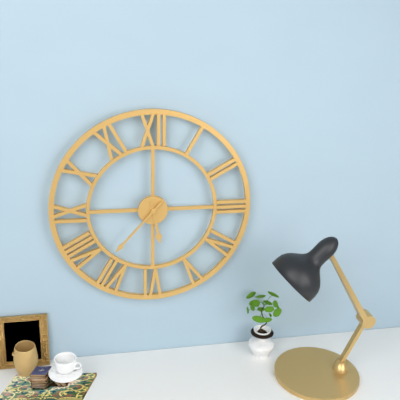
5:37
